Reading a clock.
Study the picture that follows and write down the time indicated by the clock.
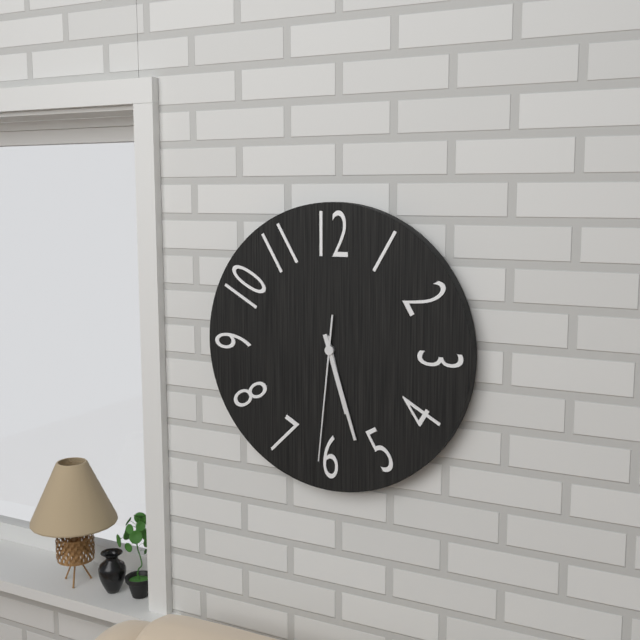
5:27:31
